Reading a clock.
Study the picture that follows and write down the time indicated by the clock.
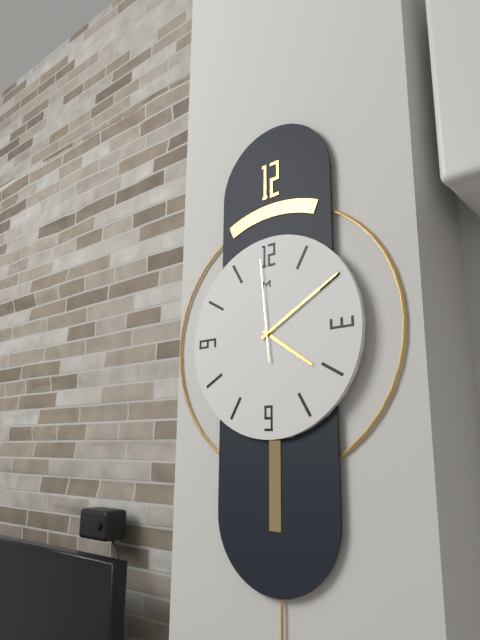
4:10:59
